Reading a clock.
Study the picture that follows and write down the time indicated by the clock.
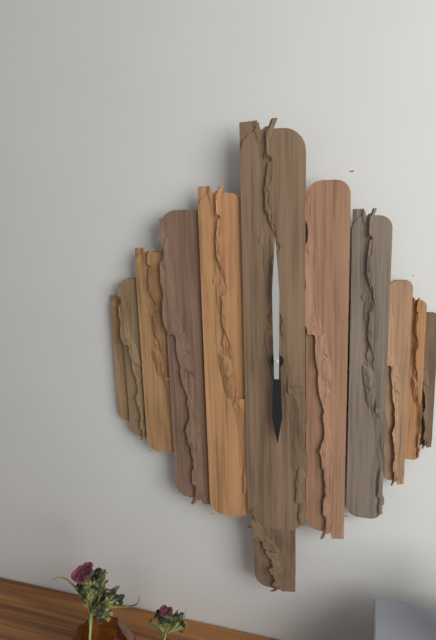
6:00
